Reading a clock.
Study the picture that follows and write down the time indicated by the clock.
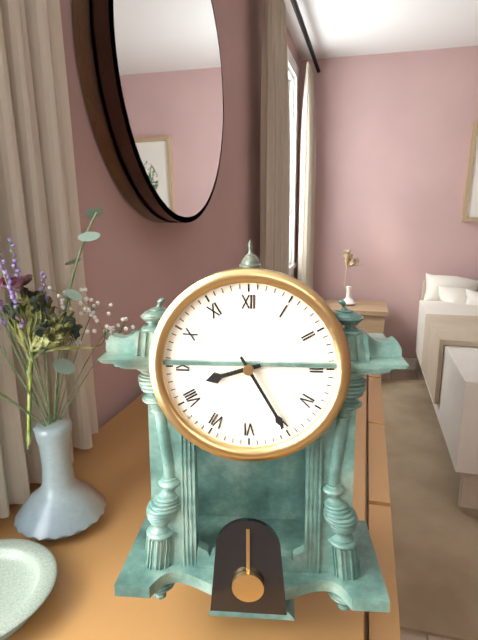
8:25
